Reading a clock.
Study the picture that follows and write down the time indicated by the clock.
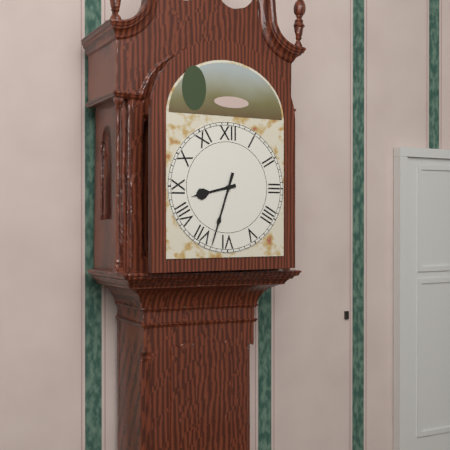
8:33
